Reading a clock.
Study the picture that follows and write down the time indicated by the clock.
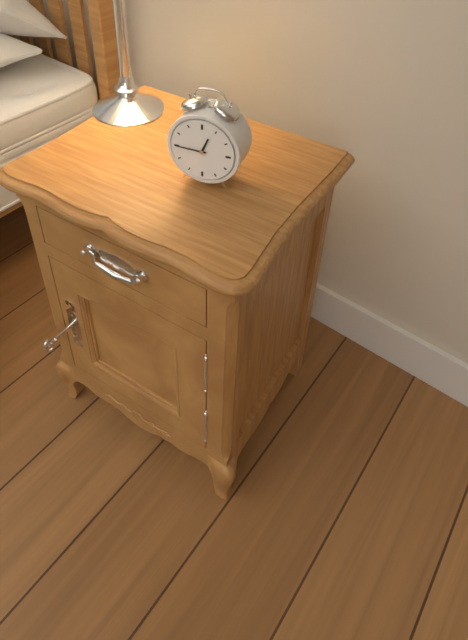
12:45
